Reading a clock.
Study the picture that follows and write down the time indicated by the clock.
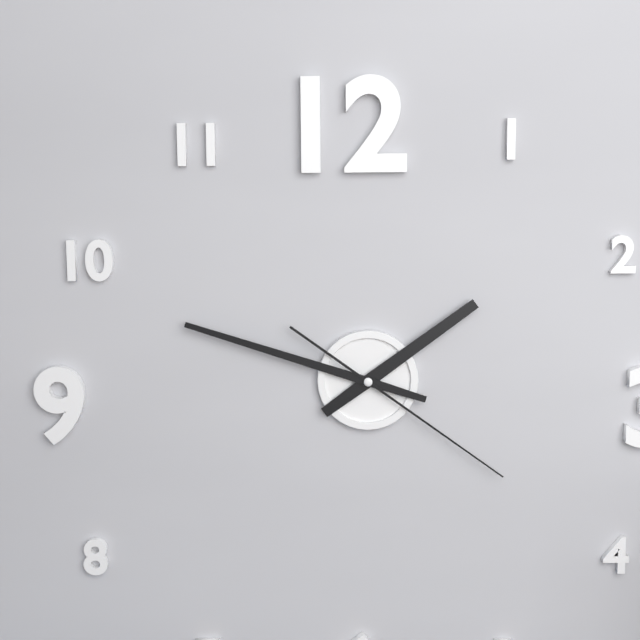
1:48:21
